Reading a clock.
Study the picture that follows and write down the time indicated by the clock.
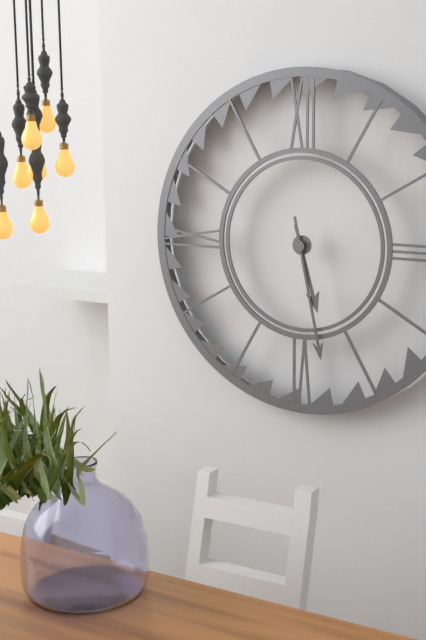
5:28
